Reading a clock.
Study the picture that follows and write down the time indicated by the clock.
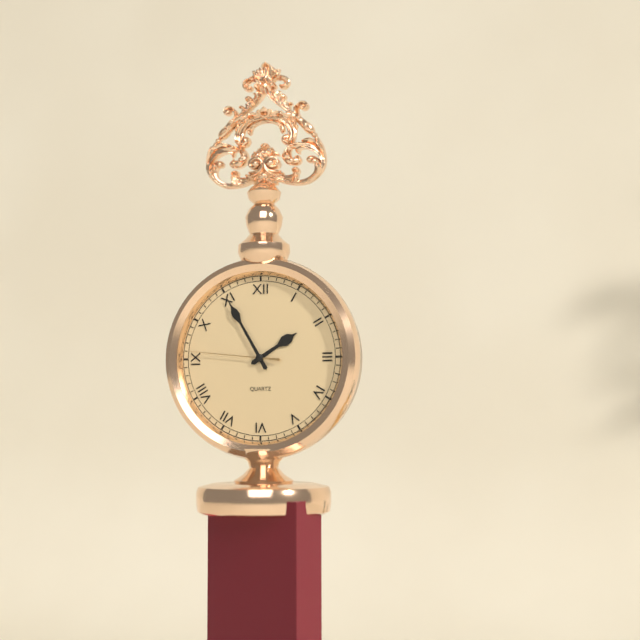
1:55:46
